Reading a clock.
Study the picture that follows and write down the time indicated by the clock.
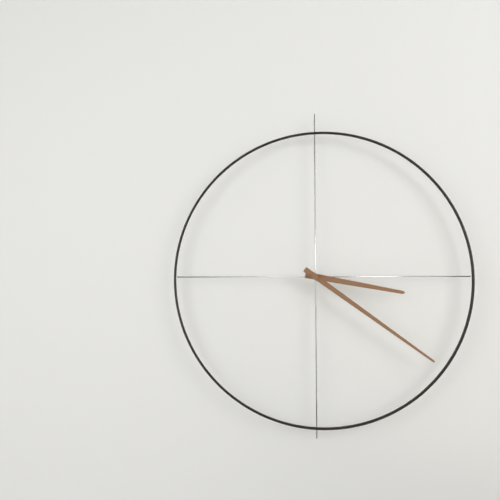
3:21
